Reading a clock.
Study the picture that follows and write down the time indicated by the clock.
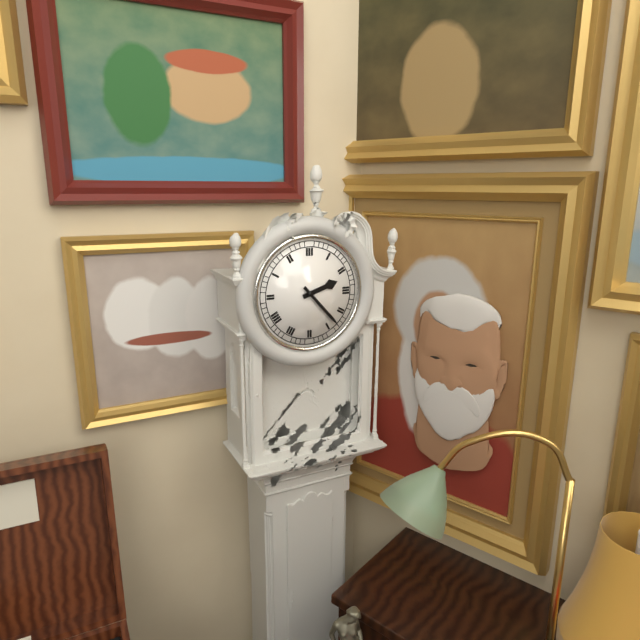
2:23
